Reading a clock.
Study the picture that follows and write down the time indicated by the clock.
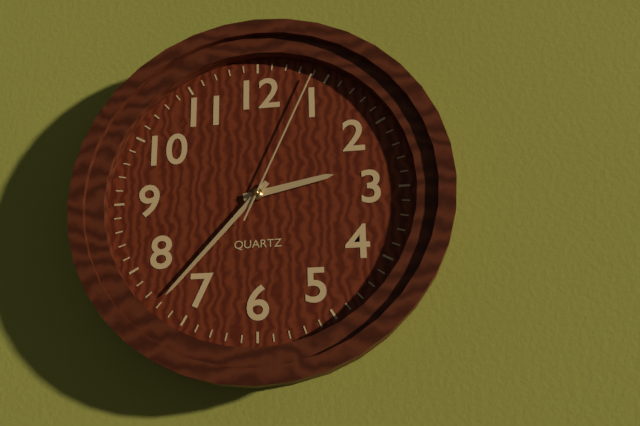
2:37:04
